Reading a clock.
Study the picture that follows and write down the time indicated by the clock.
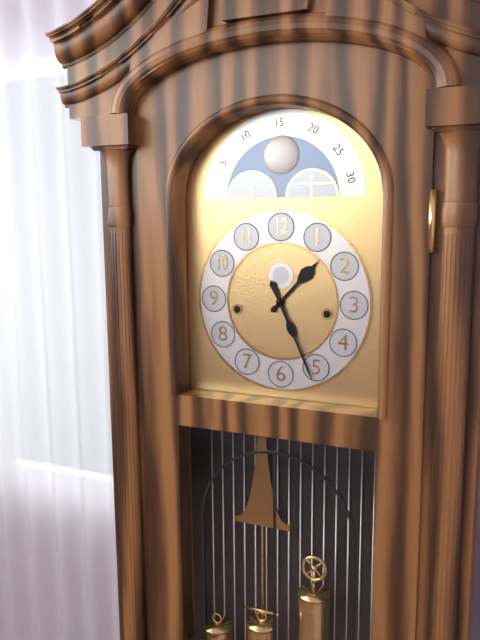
1:26
